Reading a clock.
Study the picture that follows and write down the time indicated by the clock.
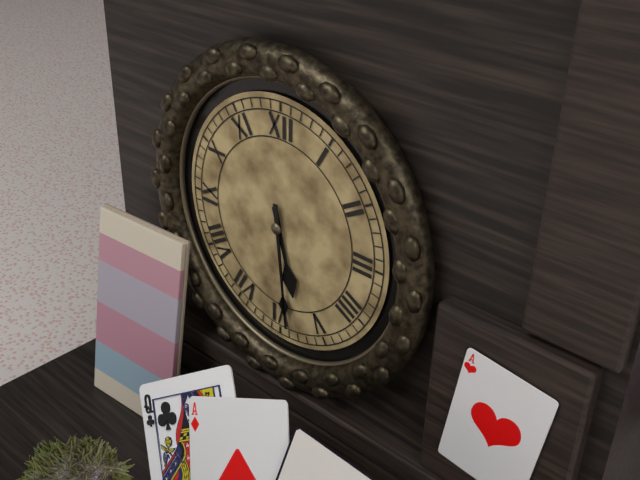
5:29
